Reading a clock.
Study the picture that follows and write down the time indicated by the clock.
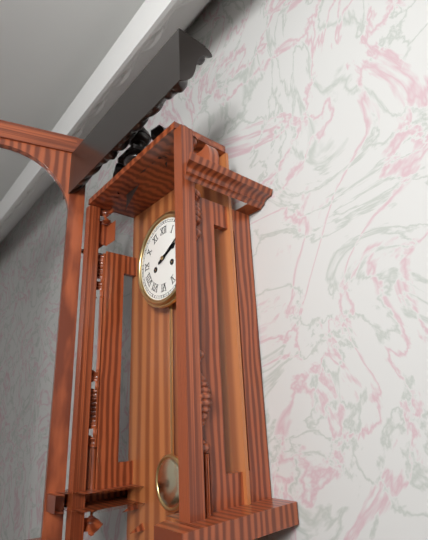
2:10
